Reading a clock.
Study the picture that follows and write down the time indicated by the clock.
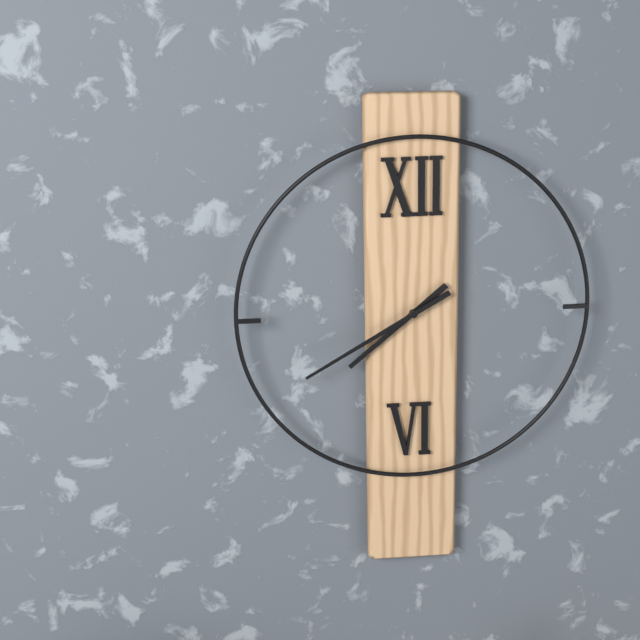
7:40
